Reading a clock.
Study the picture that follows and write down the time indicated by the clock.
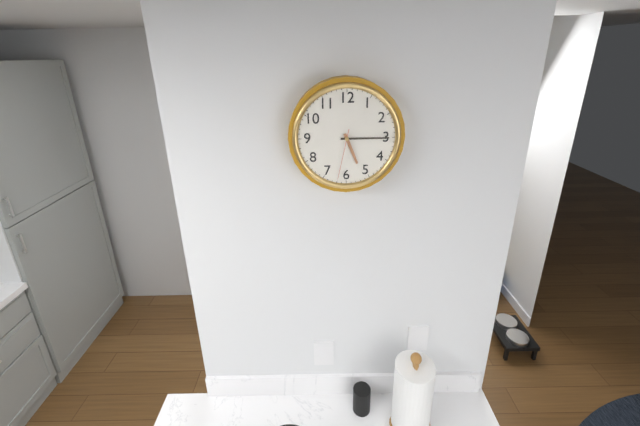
5:15:32
